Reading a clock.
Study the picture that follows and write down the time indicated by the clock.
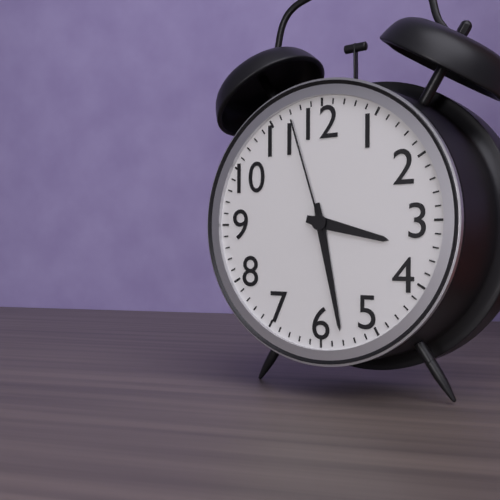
3:28:57
